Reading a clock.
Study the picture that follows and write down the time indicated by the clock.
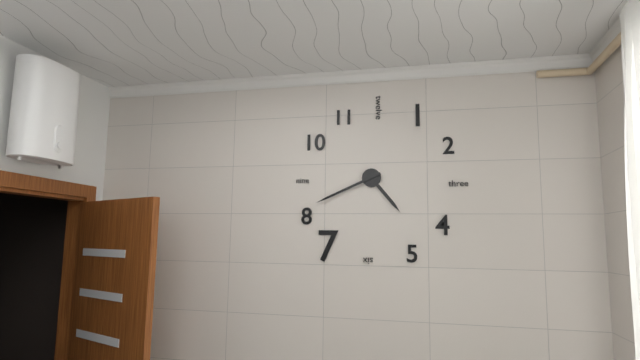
4:41
